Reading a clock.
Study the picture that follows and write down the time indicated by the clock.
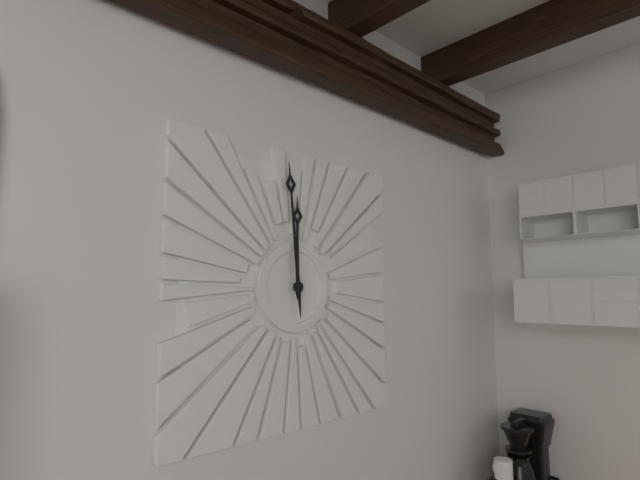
11:59
